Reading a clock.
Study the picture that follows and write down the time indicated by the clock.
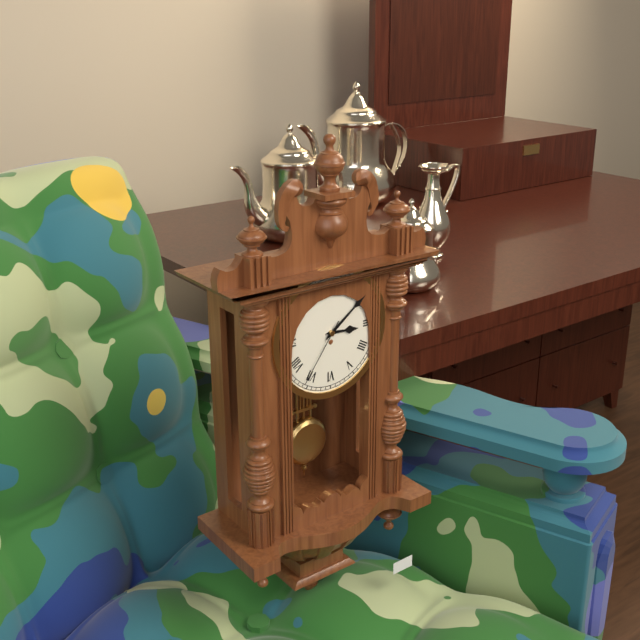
3:09:36
